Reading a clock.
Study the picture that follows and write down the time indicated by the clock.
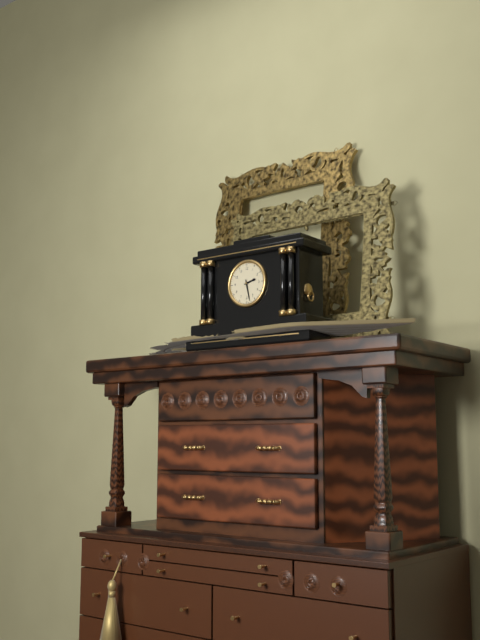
2:28
